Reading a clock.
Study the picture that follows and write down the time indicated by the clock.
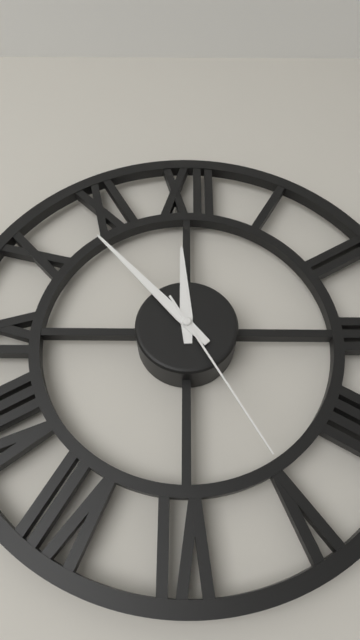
11:53:25
